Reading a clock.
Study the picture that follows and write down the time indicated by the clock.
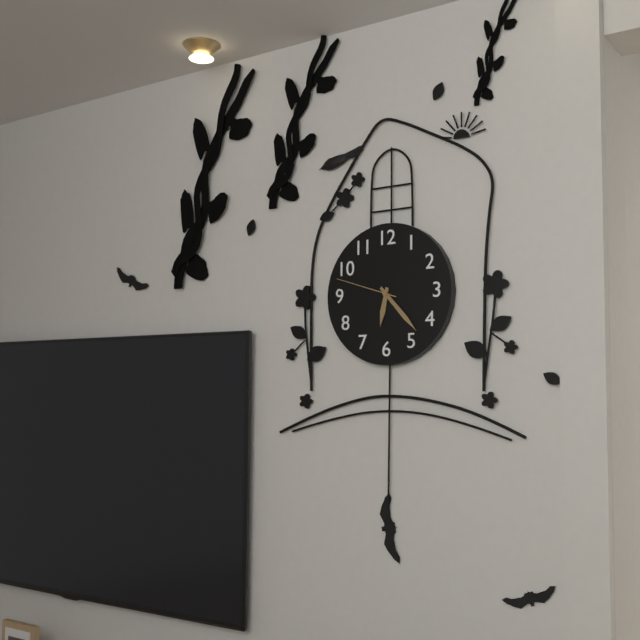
6:23:48
